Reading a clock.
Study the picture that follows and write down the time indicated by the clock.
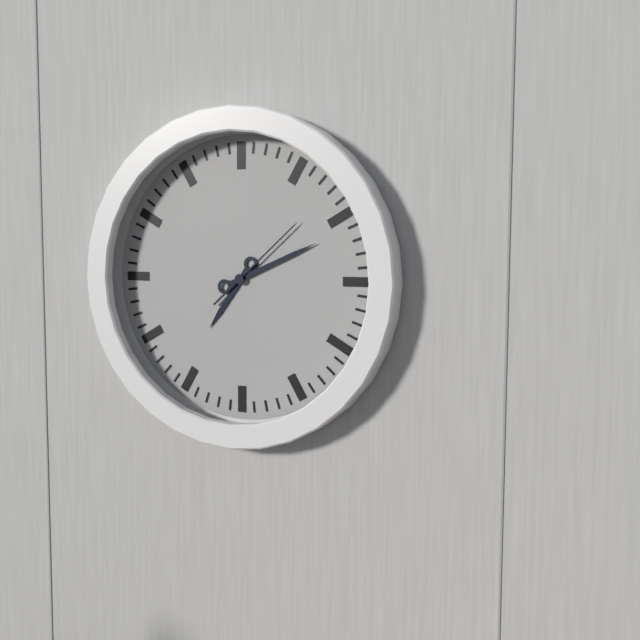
7:11:08
